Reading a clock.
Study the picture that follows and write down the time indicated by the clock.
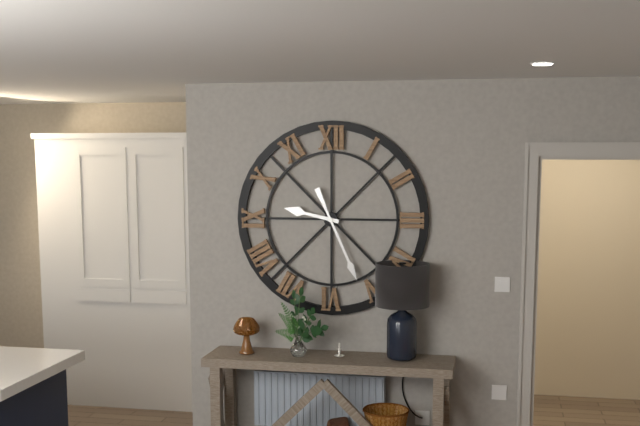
9:26
